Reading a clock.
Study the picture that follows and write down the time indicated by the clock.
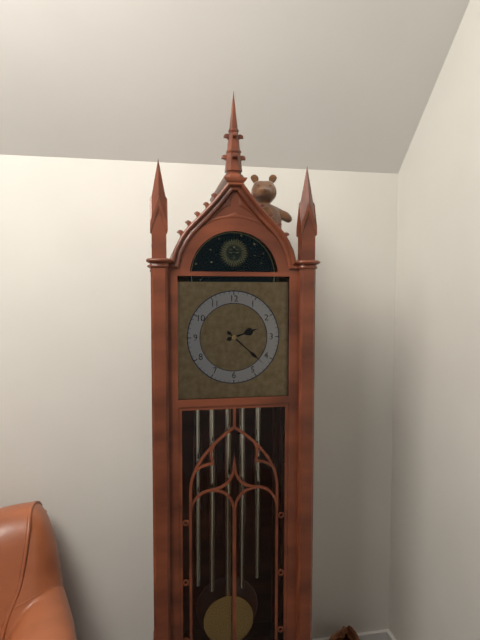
2:22
